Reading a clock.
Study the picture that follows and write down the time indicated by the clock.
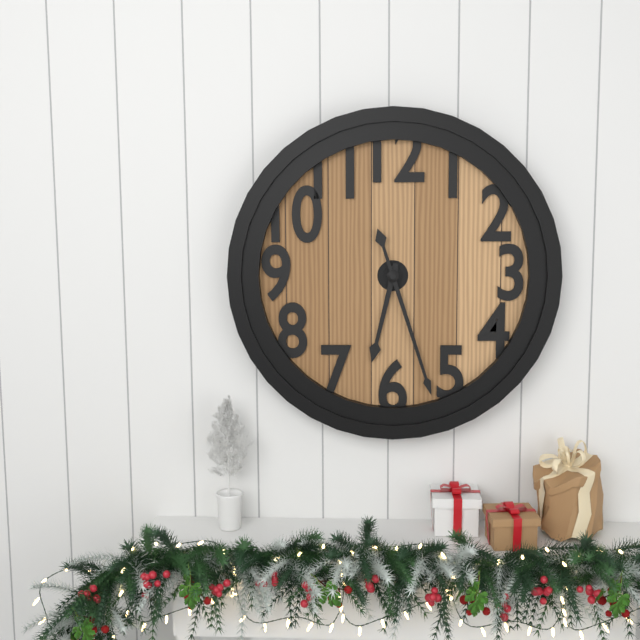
6:27
